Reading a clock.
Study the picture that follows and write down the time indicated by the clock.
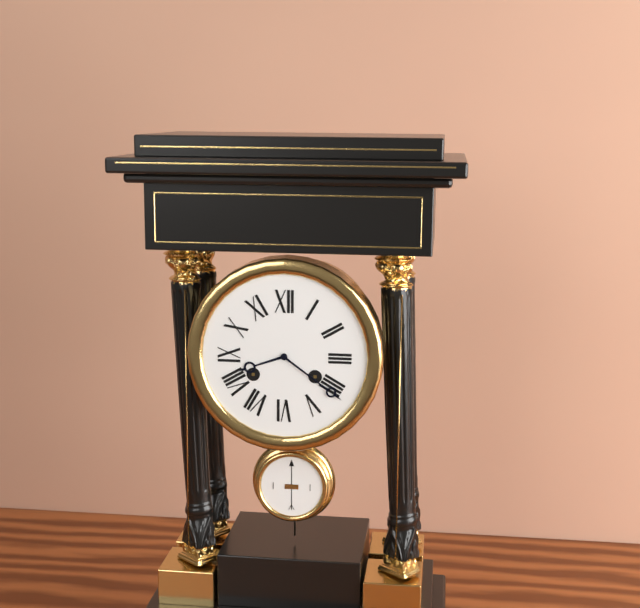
8:21
